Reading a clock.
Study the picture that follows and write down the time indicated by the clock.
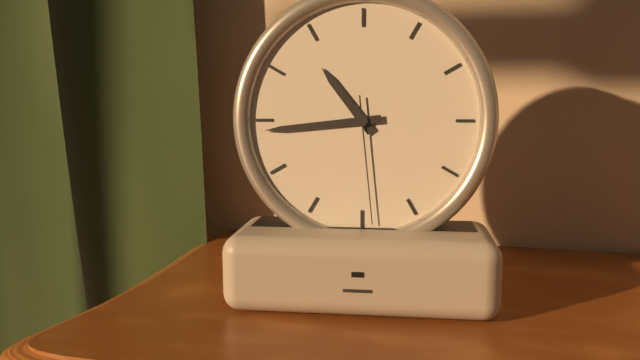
10:44:29
